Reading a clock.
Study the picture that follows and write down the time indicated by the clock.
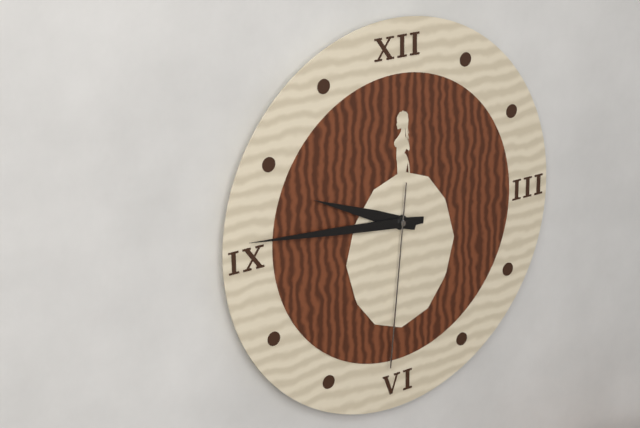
9:46:31
